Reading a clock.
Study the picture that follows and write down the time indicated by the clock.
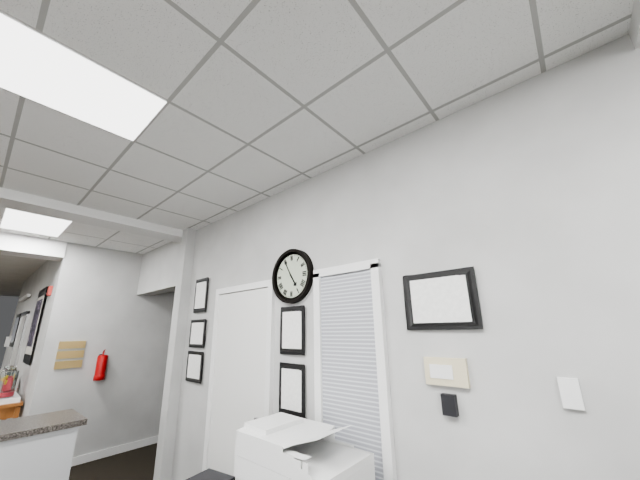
4:55
